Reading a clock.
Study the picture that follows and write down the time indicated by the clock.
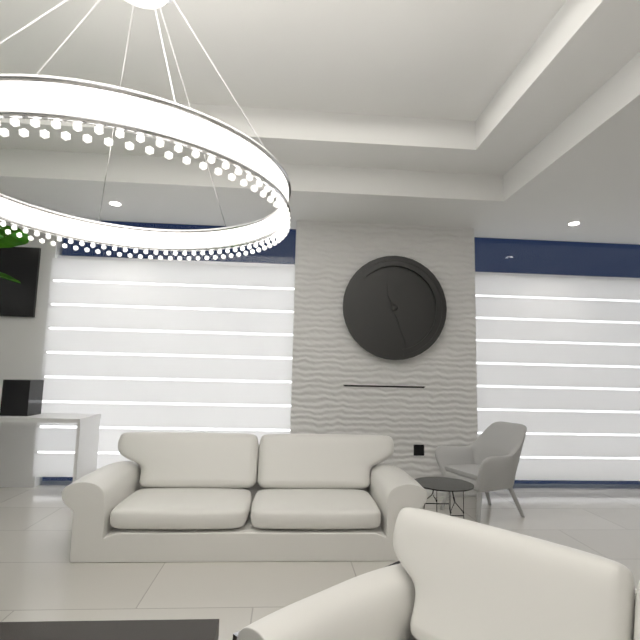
11:27
